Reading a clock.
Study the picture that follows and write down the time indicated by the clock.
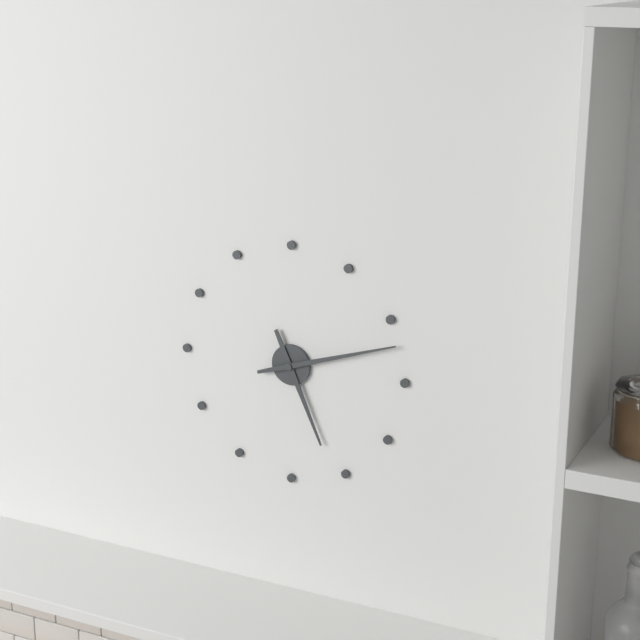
5:12
